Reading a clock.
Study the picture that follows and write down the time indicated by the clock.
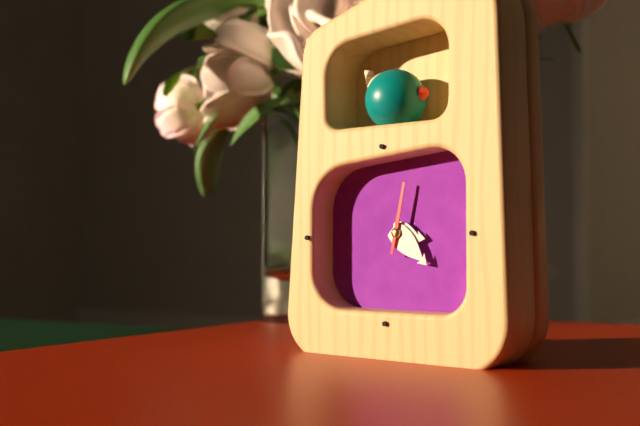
3:22:02
